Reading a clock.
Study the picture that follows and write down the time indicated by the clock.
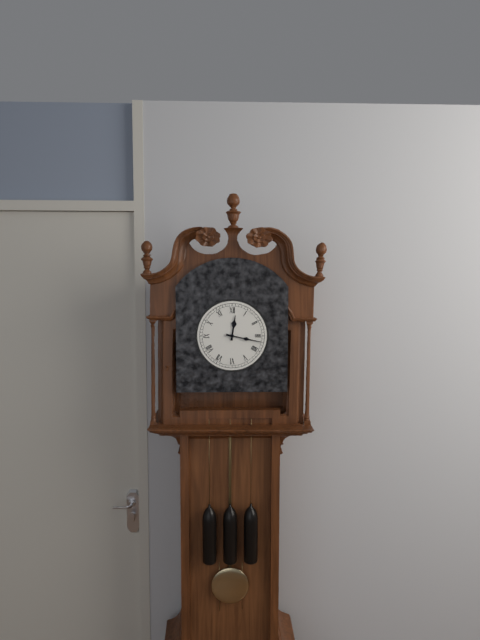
12:17
